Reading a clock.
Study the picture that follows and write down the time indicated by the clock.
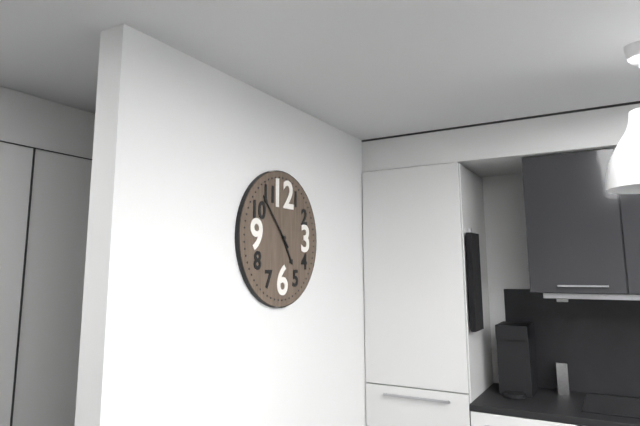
4:53
